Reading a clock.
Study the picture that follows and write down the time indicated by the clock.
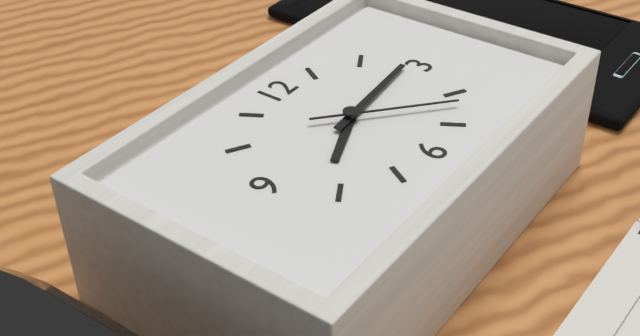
8:14:22
